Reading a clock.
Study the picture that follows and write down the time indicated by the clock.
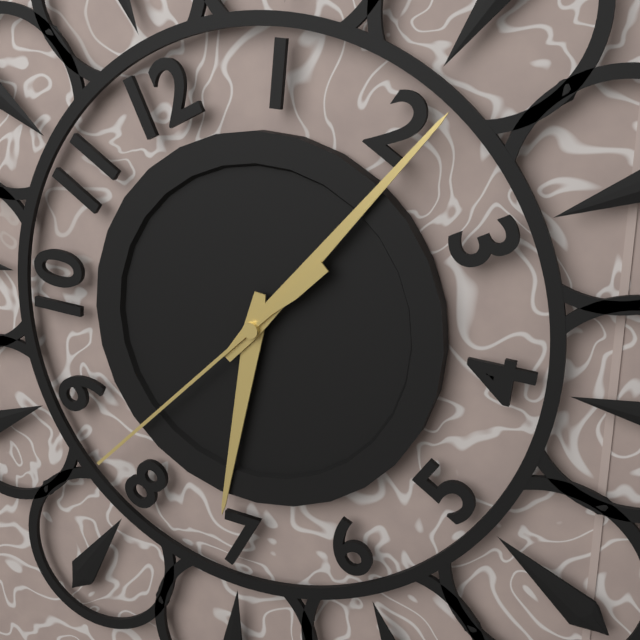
7:11:42
